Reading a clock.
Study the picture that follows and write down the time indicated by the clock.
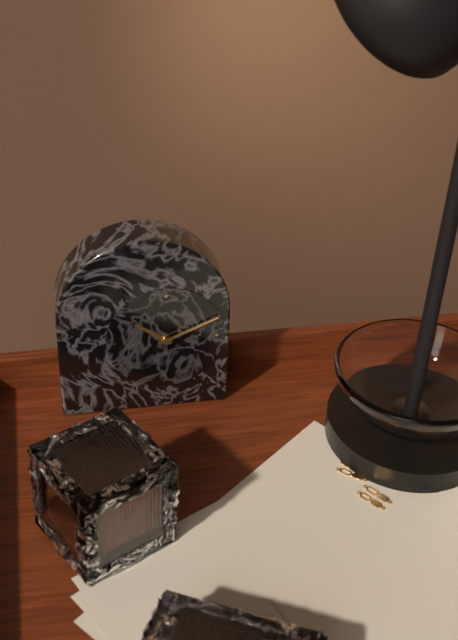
10:11
